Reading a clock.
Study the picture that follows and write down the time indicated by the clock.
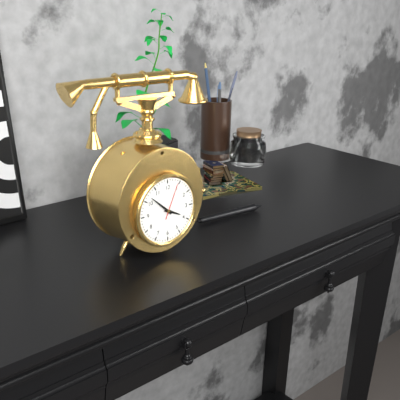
3:52
